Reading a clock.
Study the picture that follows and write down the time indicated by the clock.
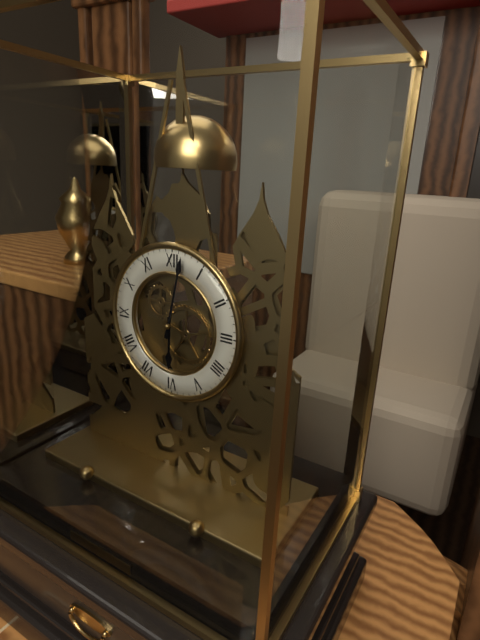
6:02
